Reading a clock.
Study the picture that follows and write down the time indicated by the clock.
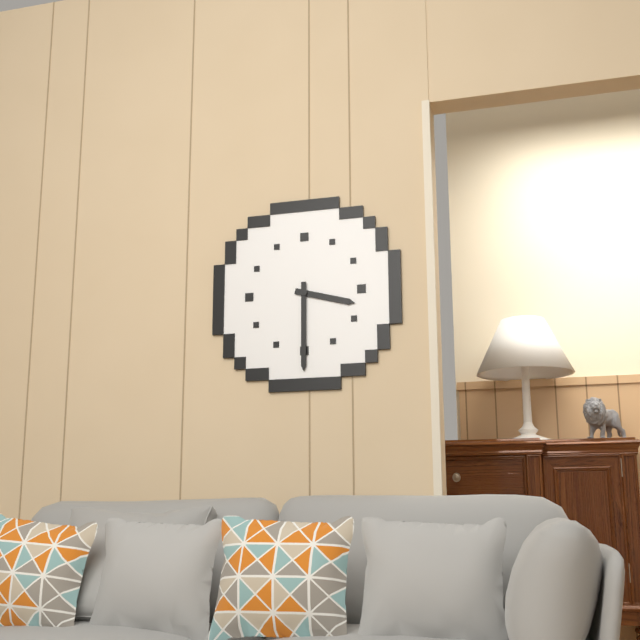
3:30
